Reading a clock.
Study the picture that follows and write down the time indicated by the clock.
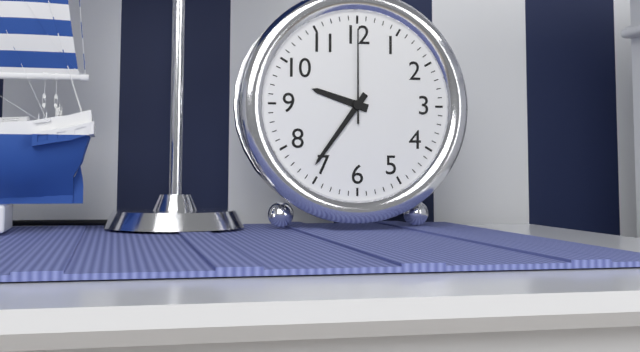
9:36:00
